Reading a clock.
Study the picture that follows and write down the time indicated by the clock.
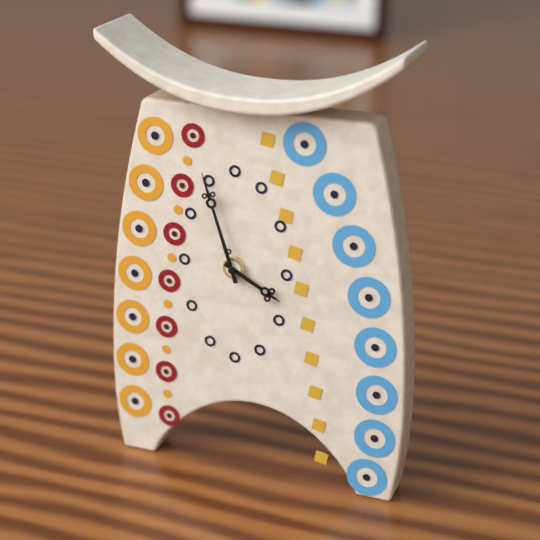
3:57
